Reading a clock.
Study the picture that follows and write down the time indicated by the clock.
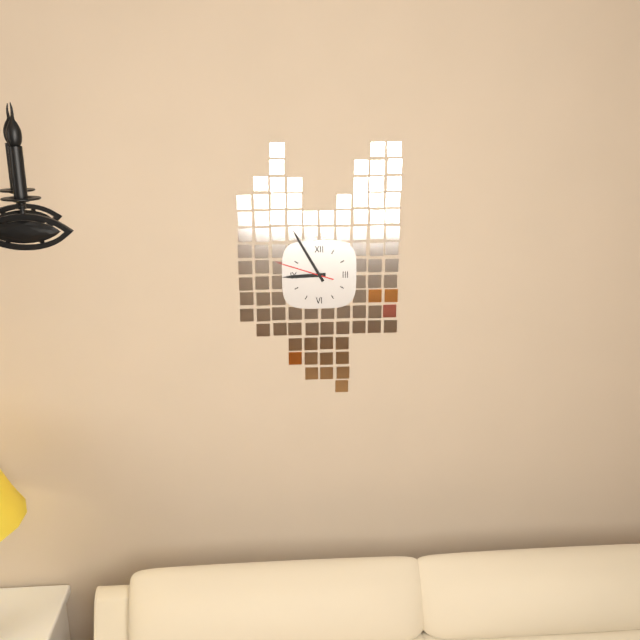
8:55:48
